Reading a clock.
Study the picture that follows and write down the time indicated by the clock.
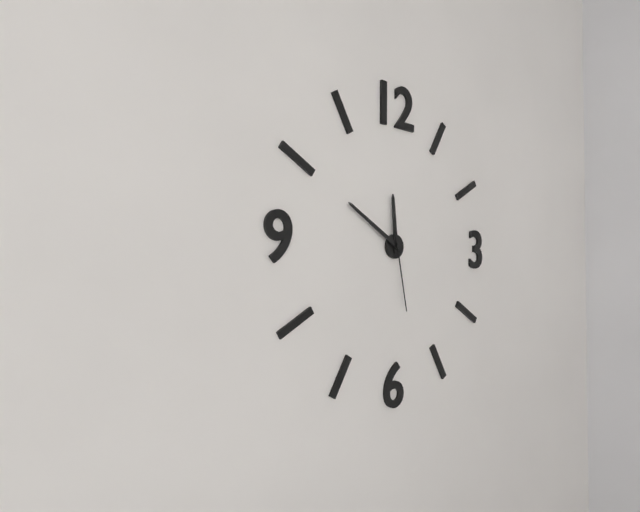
11:50:28
